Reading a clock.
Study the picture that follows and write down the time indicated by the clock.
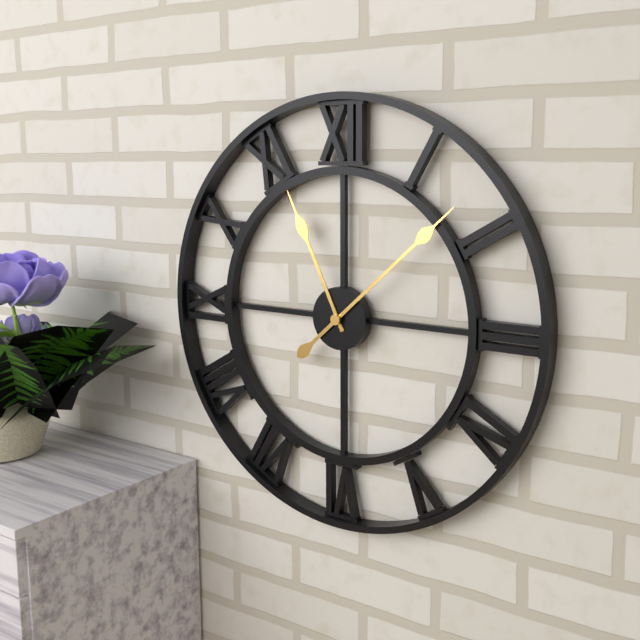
11:08
